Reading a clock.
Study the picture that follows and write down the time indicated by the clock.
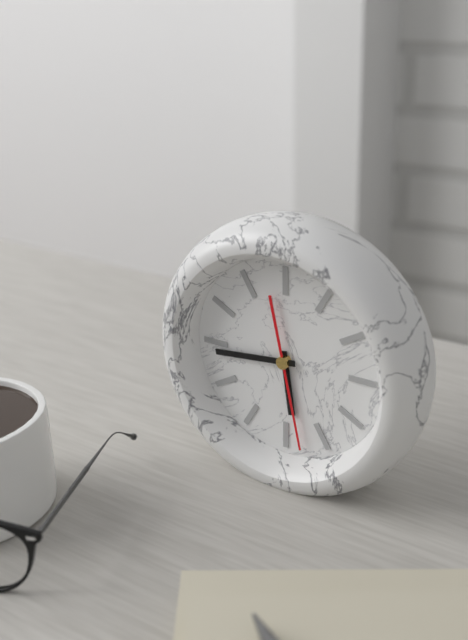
5:44:28
